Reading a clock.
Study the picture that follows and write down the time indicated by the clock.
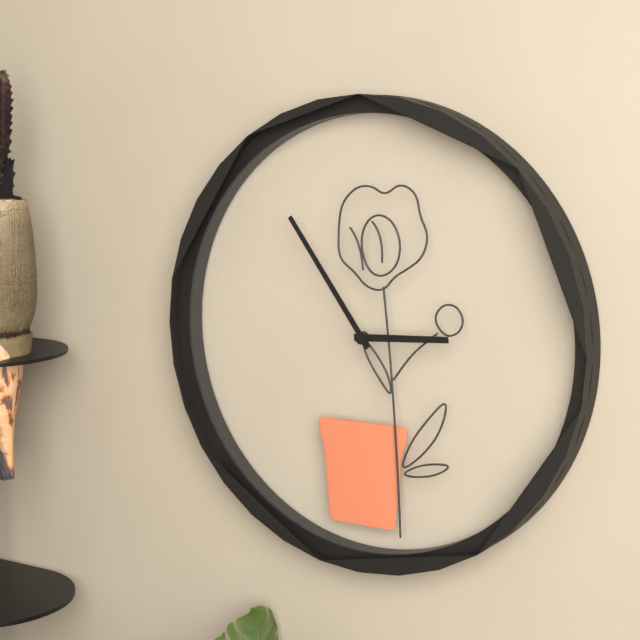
2:54
